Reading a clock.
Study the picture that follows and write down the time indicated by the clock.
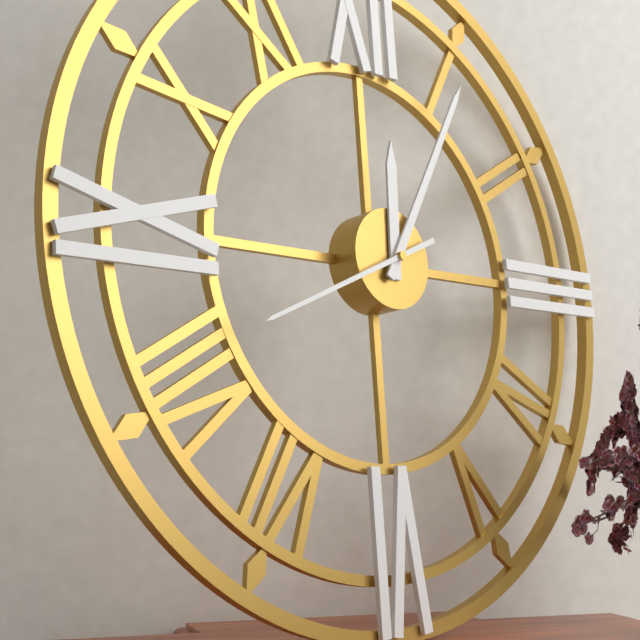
12:05:41
